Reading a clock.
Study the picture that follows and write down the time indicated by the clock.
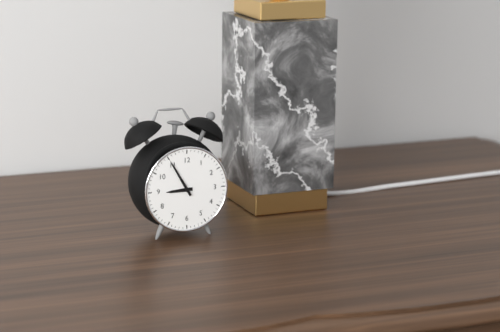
8:55
